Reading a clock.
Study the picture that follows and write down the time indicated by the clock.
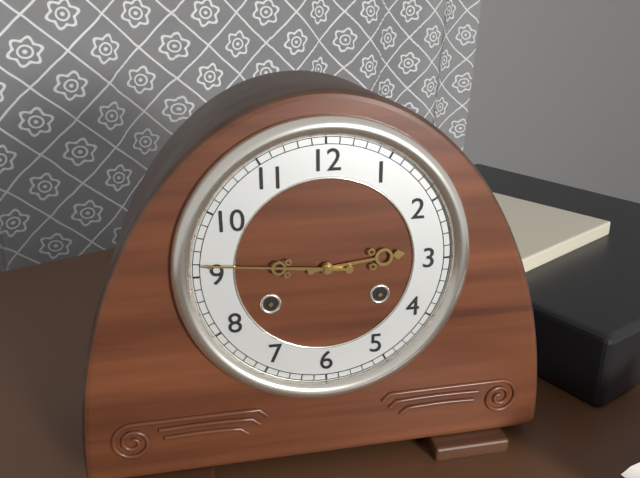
2:46
